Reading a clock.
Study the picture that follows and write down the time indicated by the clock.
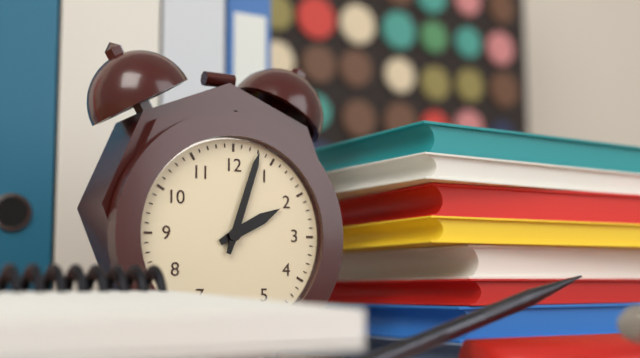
2:03
